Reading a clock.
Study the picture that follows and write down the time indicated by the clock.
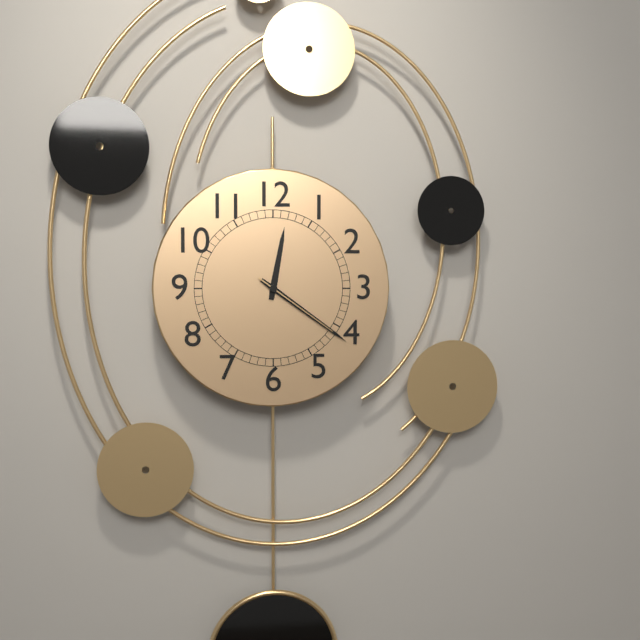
12:21:21
